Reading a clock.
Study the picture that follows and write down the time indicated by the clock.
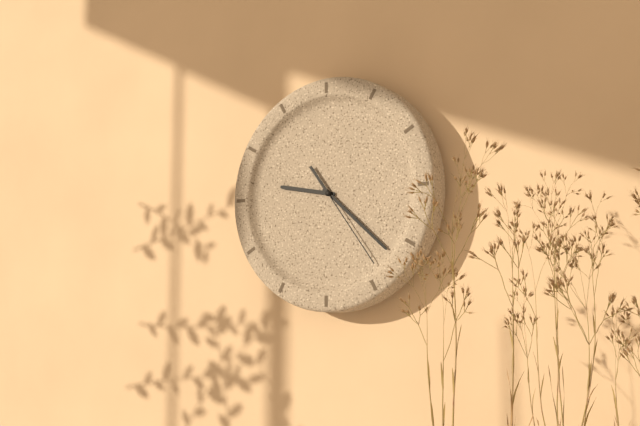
9:22:24
